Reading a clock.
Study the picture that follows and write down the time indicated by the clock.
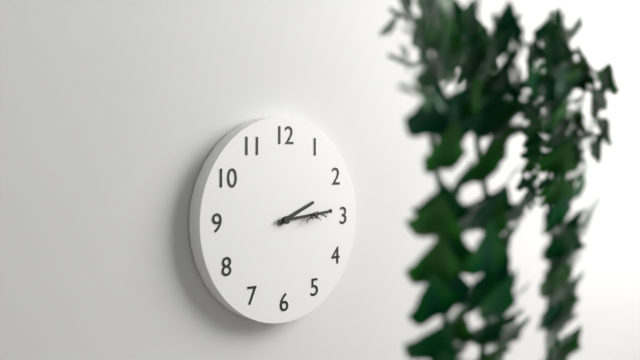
2:14
